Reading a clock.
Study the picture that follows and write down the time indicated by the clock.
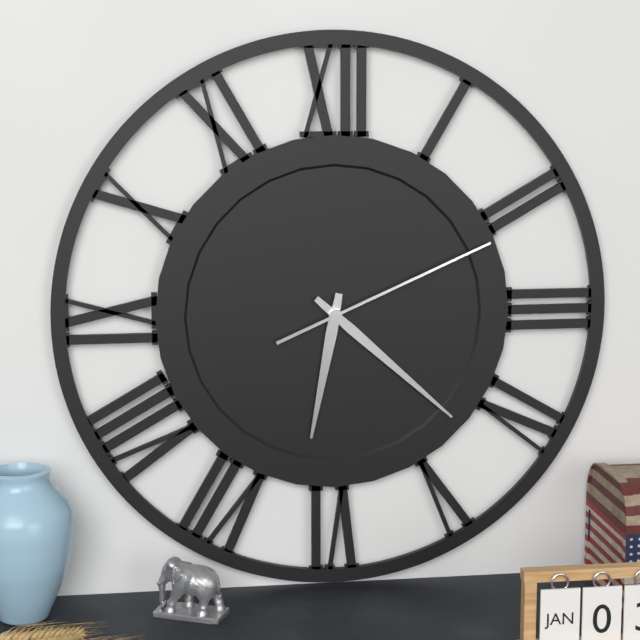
6:22:11
